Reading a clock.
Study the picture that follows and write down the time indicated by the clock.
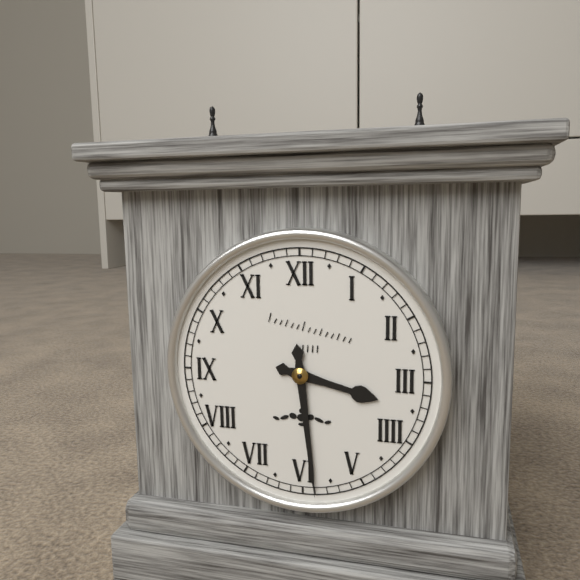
3:29
